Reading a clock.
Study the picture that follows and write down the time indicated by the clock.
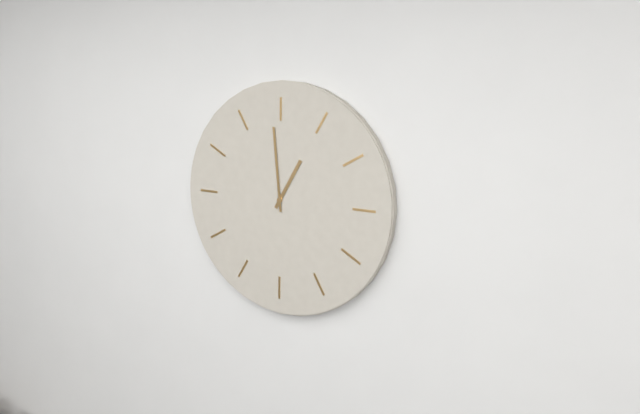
12:59
